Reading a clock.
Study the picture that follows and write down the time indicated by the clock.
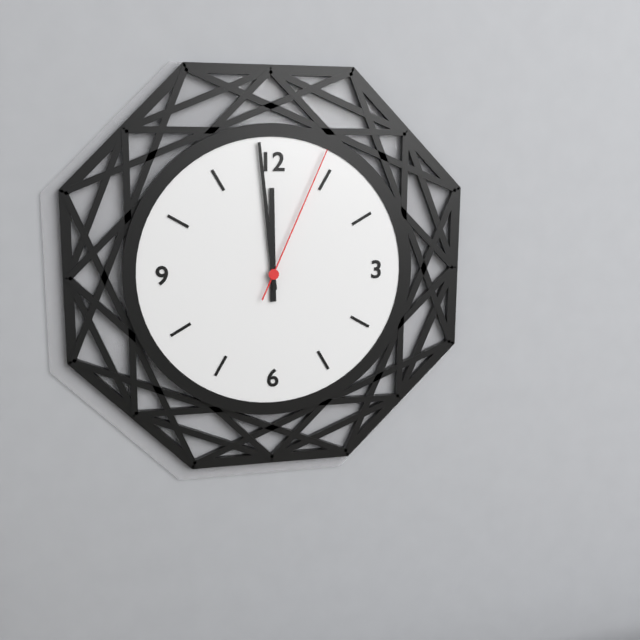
11:59:04
